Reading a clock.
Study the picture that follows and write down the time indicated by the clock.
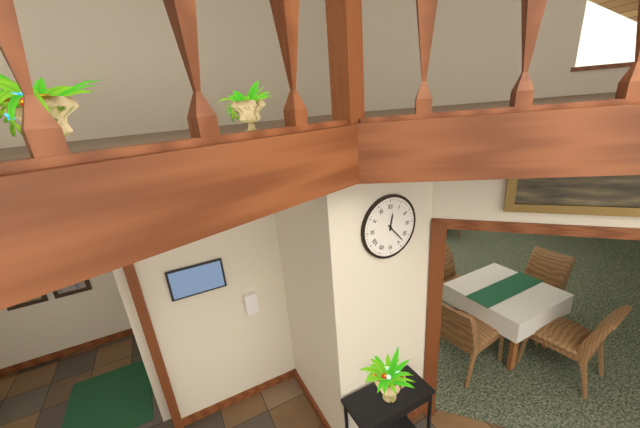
12:23
